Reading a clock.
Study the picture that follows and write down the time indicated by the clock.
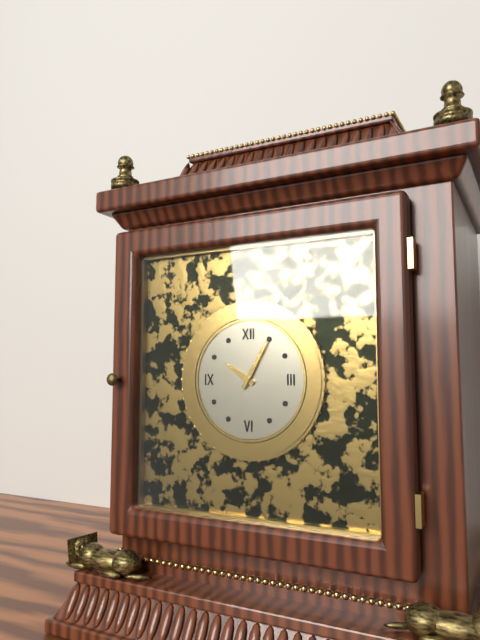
10:05
